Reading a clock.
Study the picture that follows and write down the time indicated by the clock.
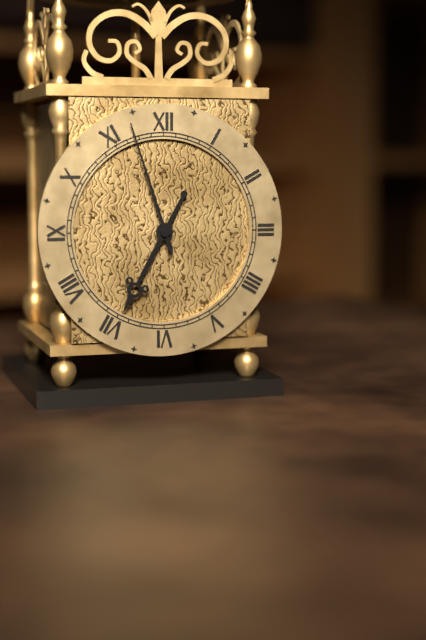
6:57
